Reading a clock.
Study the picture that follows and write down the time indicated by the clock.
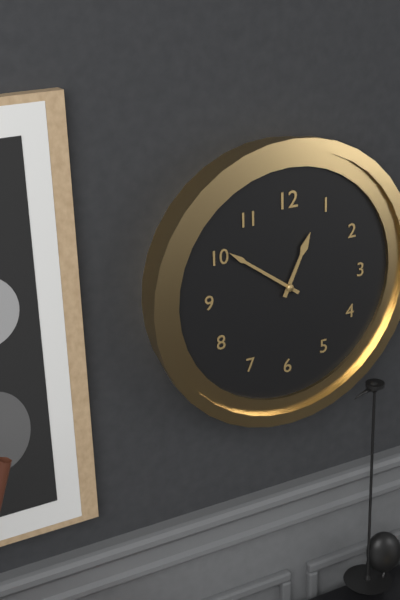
12:51
